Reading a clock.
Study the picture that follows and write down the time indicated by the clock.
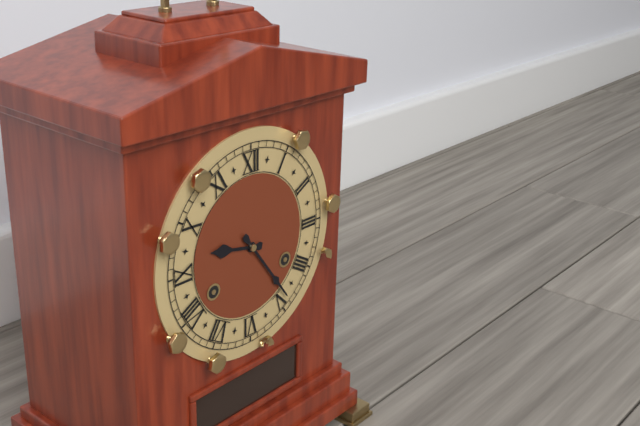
9:24
